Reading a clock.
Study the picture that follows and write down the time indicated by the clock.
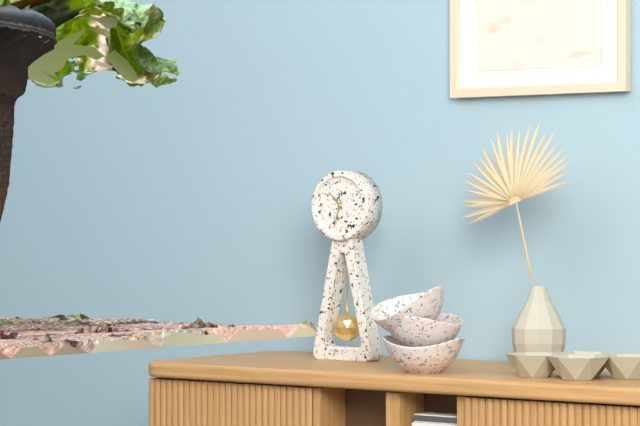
10:33
